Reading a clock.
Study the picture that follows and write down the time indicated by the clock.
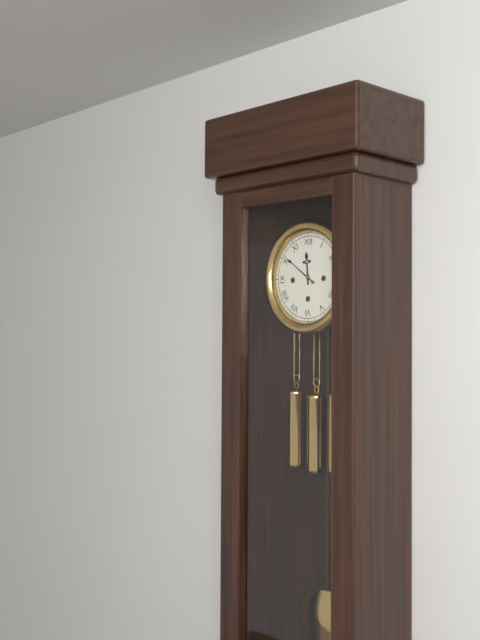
11:51
